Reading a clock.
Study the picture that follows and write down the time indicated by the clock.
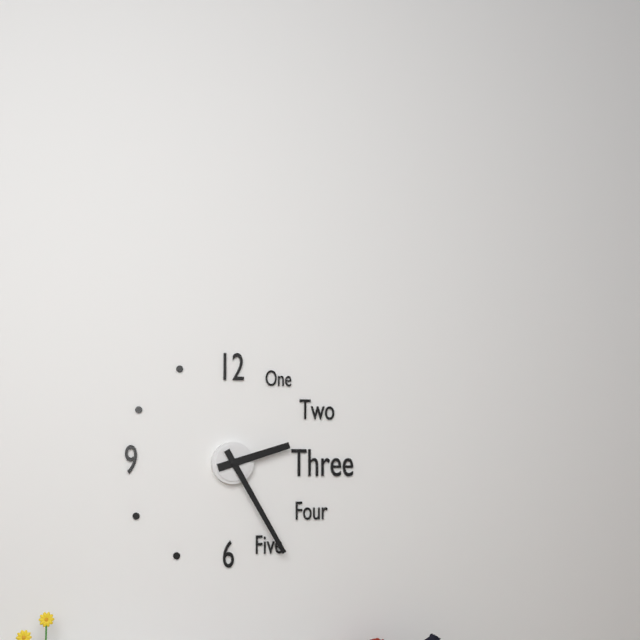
2:25
